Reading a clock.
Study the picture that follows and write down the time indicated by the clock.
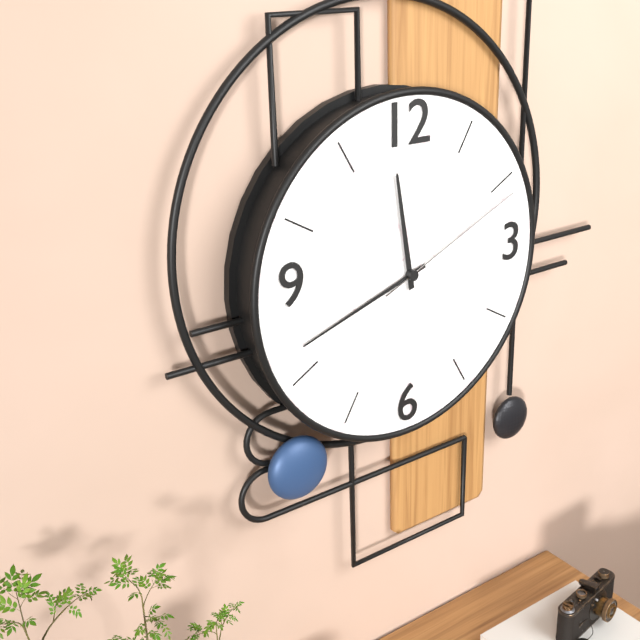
11:42:11
